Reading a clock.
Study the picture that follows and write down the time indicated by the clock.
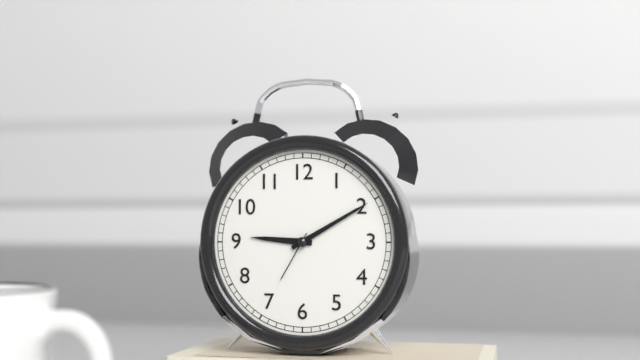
9:10:35
